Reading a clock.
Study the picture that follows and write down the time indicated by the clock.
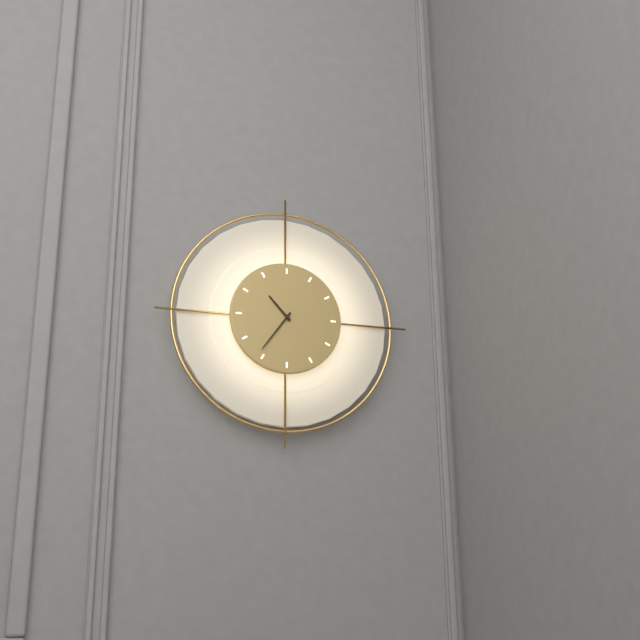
10:36
